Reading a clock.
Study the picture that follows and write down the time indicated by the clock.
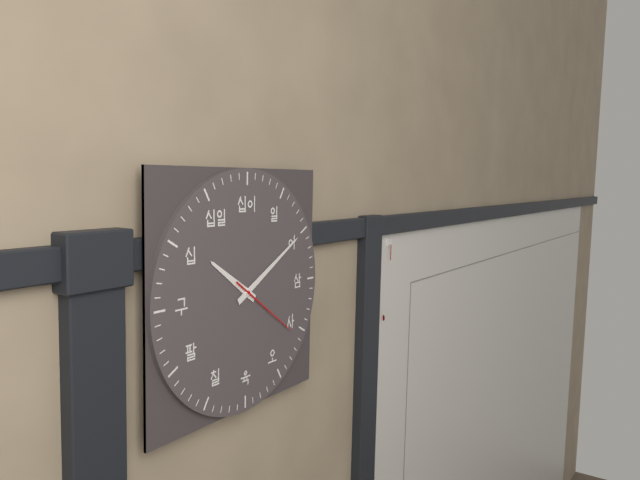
10:10:21
